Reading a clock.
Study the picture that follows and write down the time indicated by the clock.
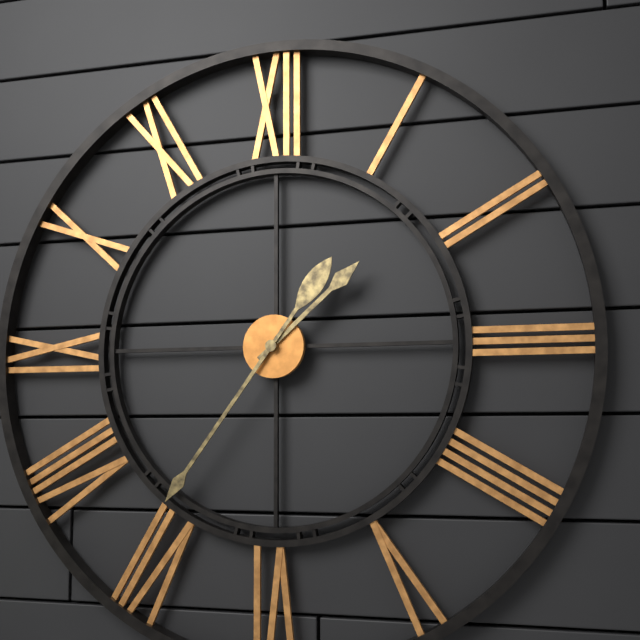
1:36
